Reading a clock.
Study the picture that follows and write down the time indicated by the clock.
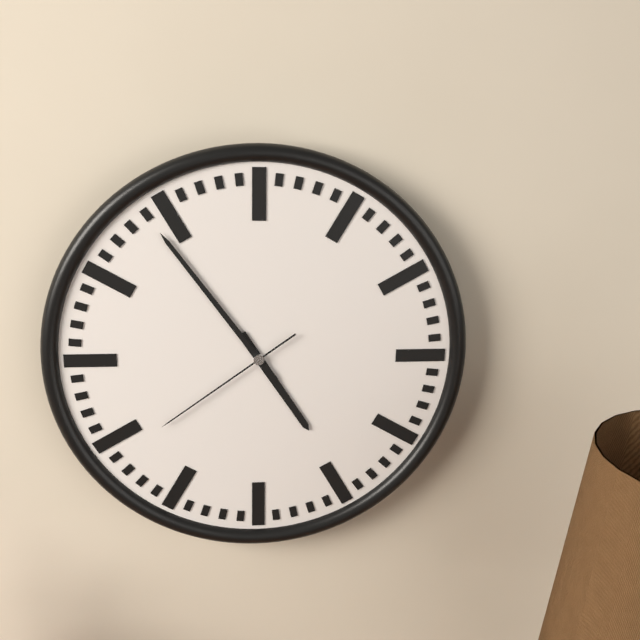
4:54:39
